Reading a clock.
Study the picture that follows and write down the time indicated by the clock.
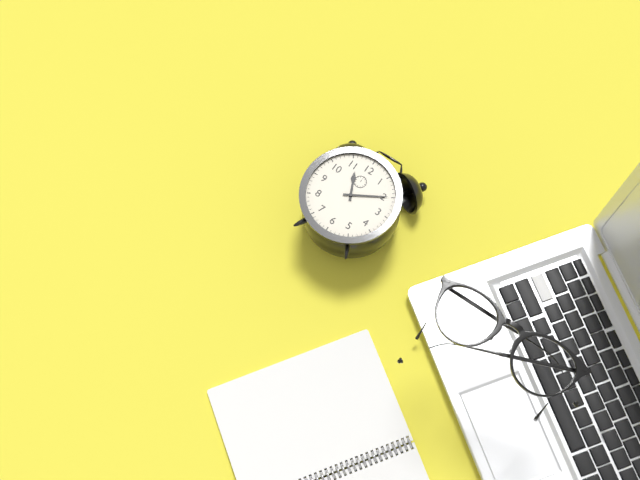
11:10
